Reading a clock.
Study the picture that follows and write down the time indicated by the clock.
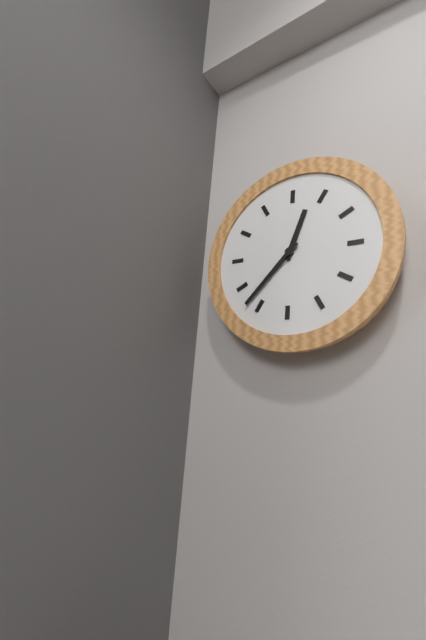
12:37
